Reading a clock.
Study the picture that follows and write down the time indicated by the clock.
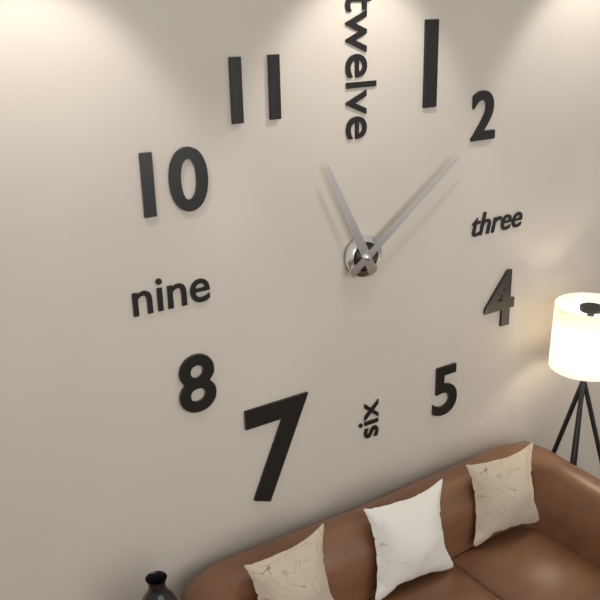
11:09
